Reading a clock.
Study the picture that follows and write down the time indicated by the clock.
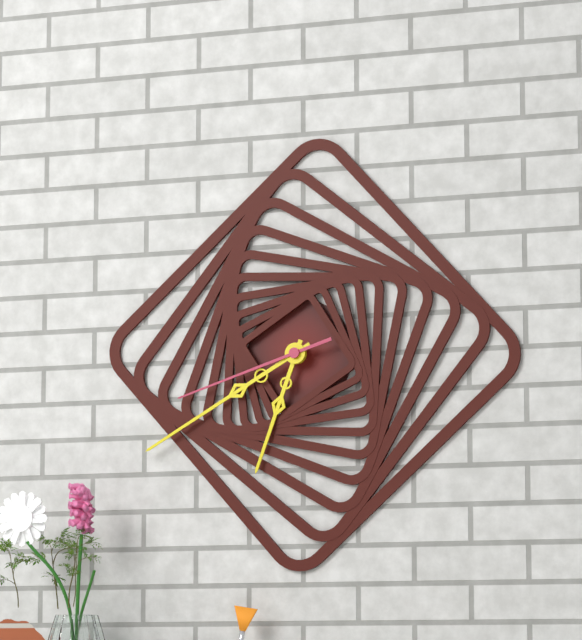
6:40:42
